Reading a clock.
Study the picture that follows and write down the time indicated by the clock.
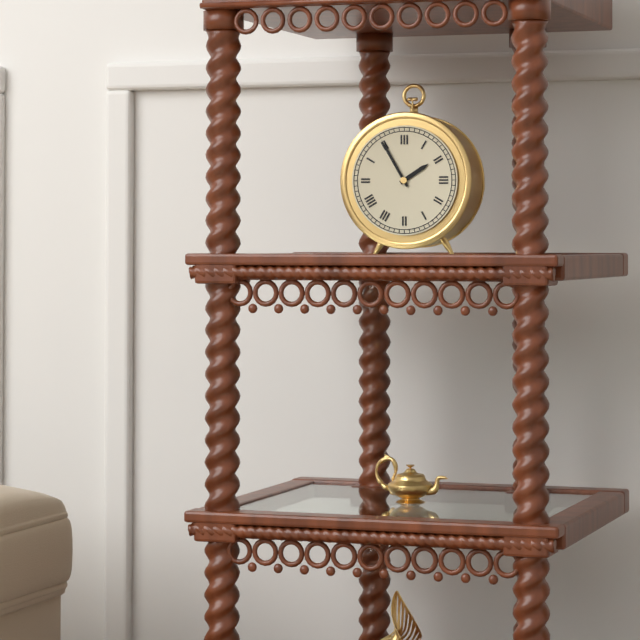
1:55
